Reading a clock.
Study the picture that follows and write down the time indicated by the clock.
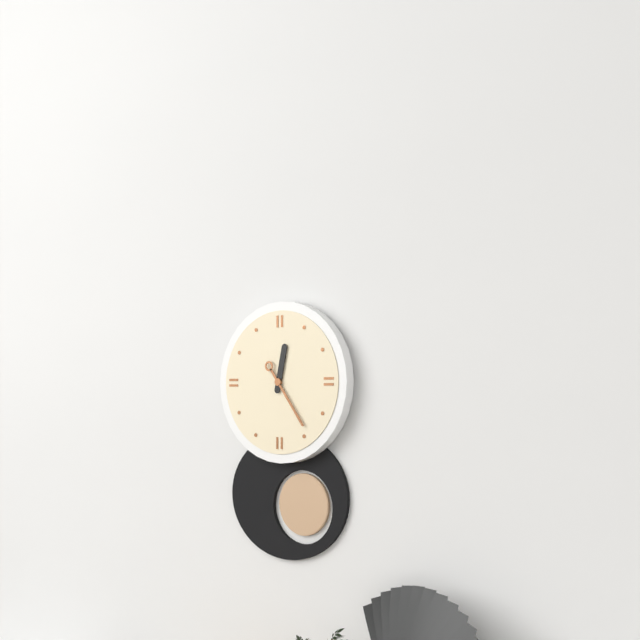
12:24
